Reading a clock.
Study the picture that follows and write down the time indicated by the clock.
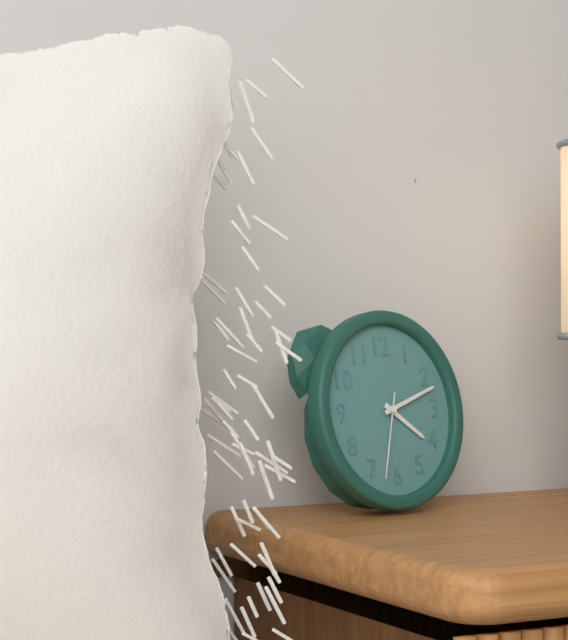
4:12:33
